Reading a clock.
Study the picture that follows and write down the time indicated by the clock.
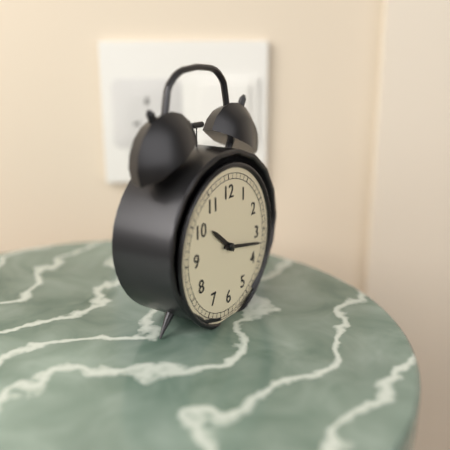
10:17
